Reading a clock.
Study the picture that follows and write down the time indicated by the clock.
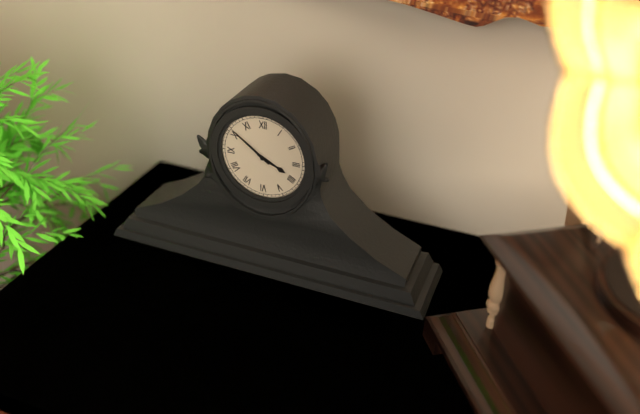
3:51
